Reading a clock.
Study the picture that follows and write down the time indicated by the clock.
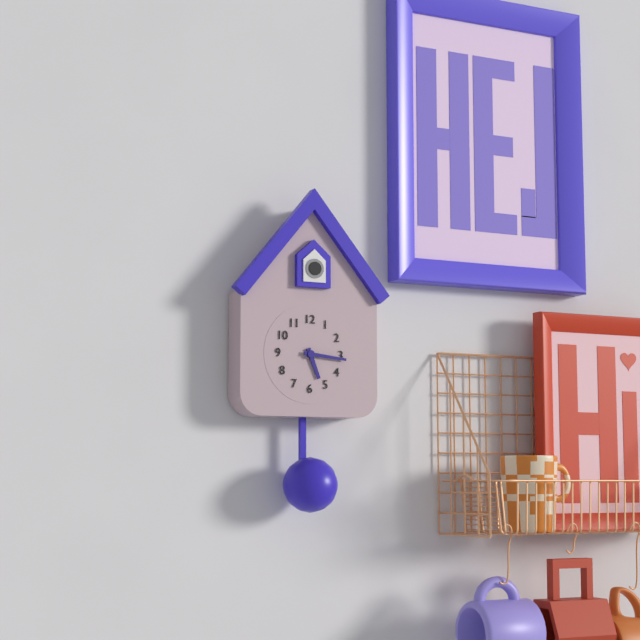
5:16
